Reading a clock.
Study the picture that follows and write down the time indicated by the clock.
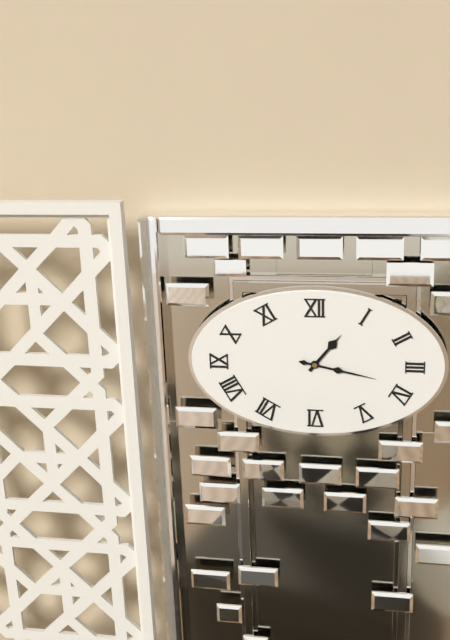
1:17
